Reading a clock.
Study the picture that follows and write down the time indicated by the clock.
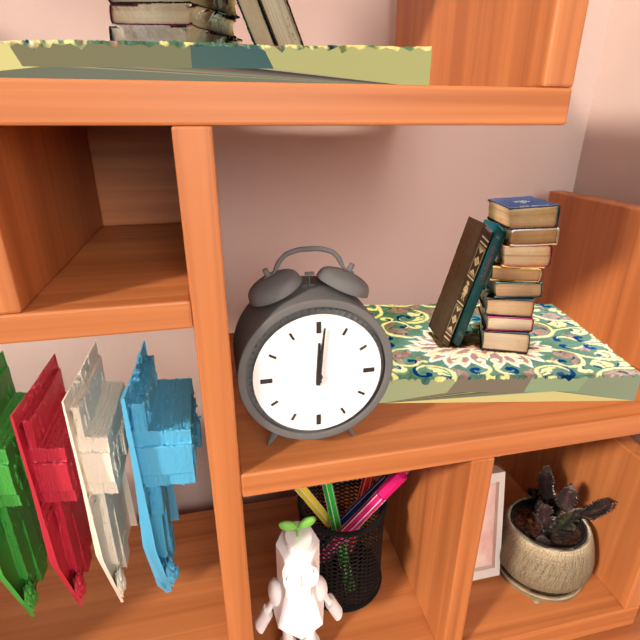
12:01
